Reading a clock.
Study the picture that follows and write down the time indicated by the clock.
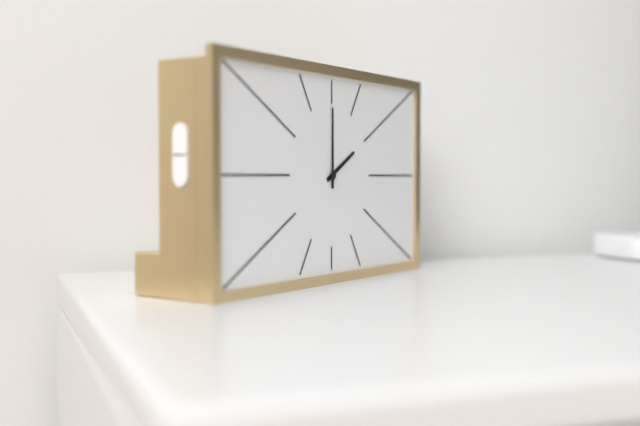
2:00
